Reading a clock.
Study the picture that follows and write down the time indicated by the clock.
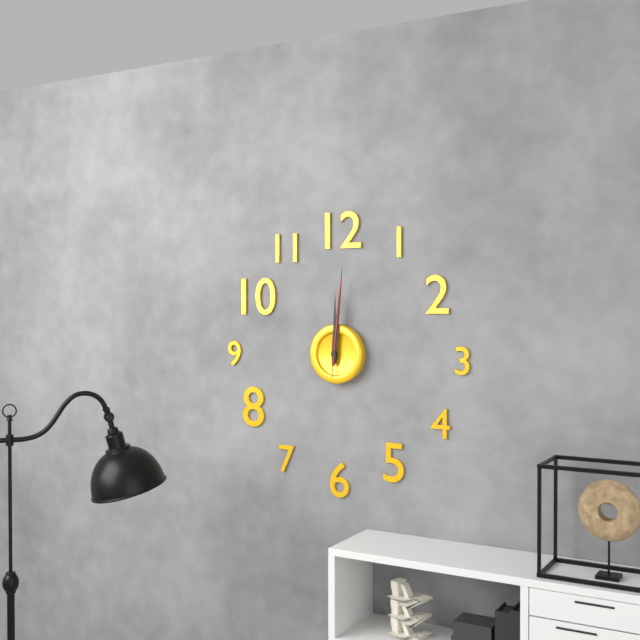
12:01:01
